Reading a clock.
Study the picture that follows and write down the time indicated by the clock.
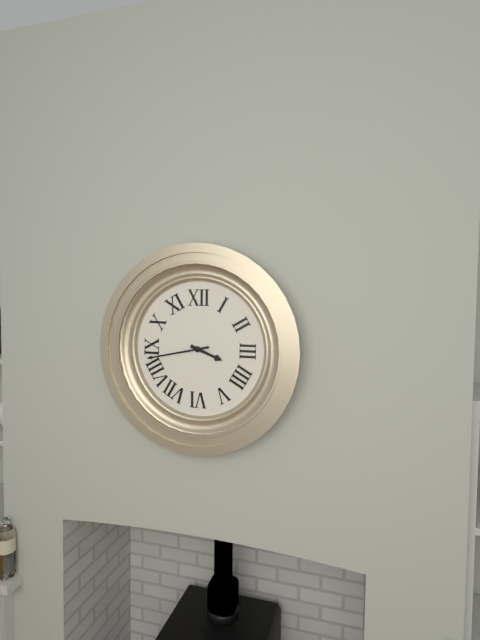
3:43
